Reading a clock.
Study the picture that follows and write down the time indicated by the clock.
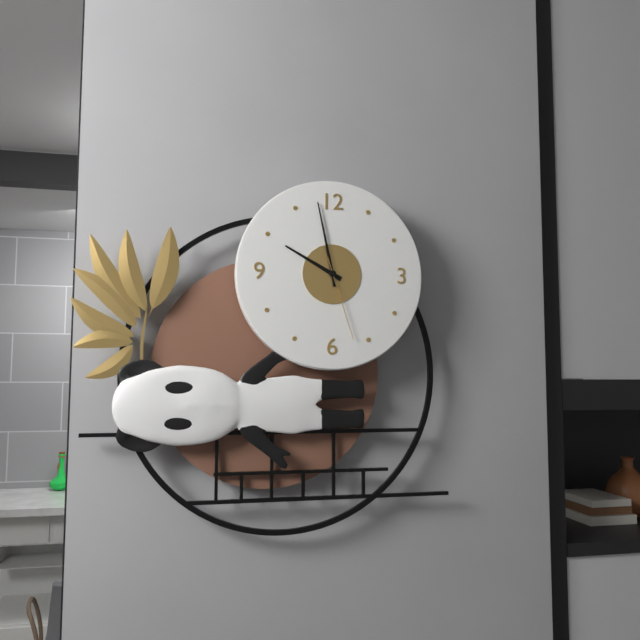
9:58:27
